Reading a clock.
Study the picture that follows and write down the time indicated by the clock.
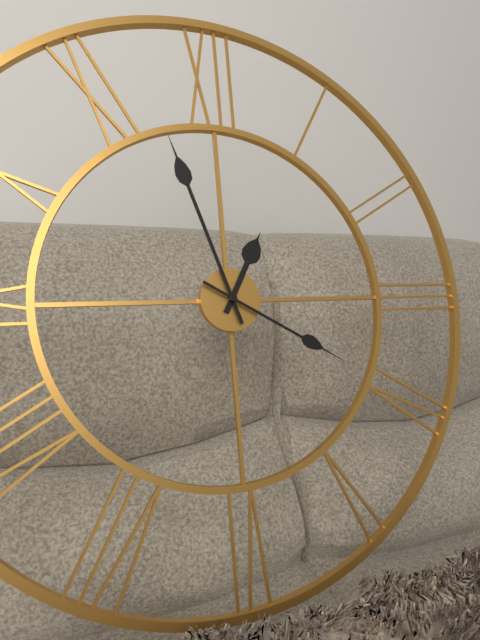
12:57:20
